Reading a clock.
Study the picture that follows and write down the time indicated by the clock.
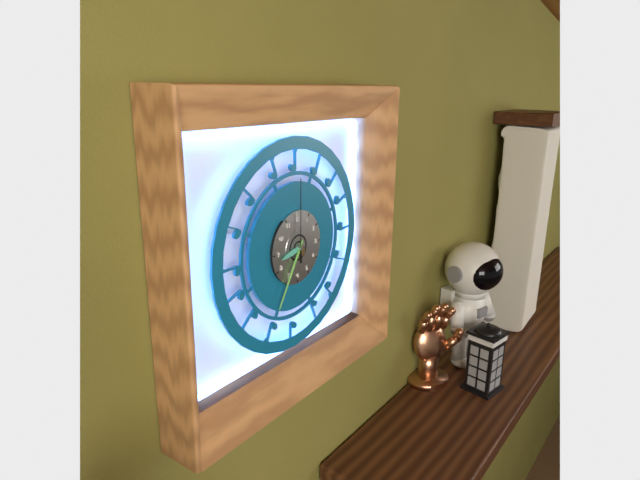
8:35:00
